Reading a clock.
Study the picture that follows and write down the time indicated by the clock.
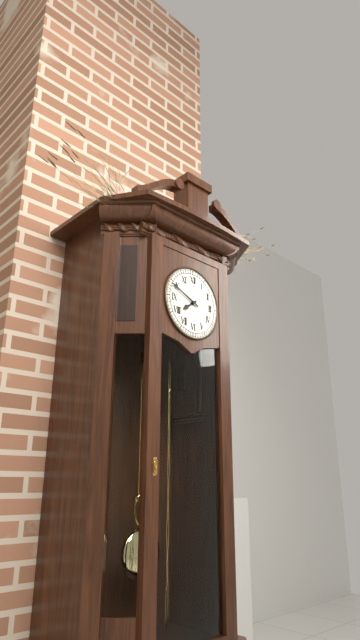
7:49
